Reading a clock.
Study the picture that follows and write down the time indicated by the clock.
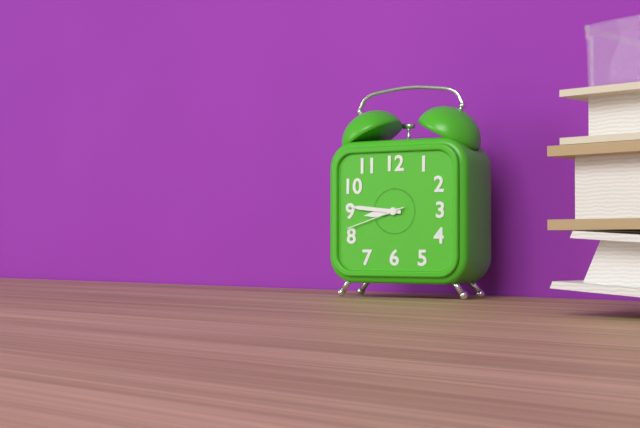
8:46:42
